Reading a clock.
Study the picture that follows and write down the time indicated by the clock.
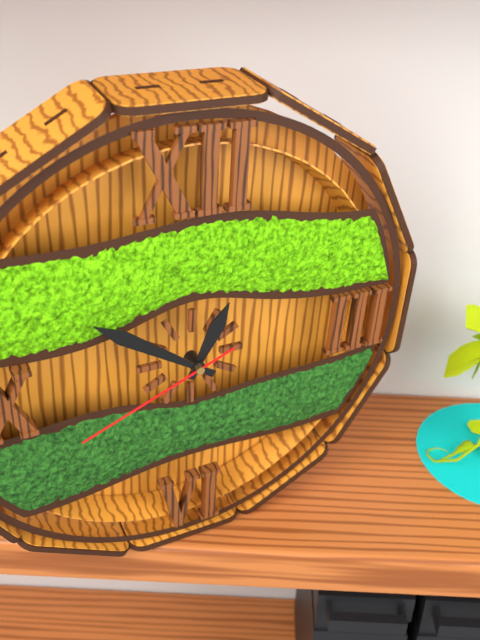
12:51:41
